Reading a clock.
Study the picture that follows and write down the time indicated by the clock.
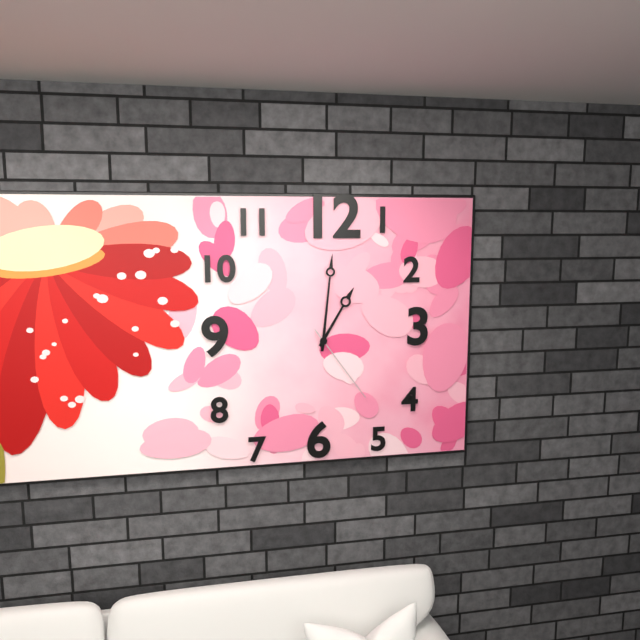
1:01:24
